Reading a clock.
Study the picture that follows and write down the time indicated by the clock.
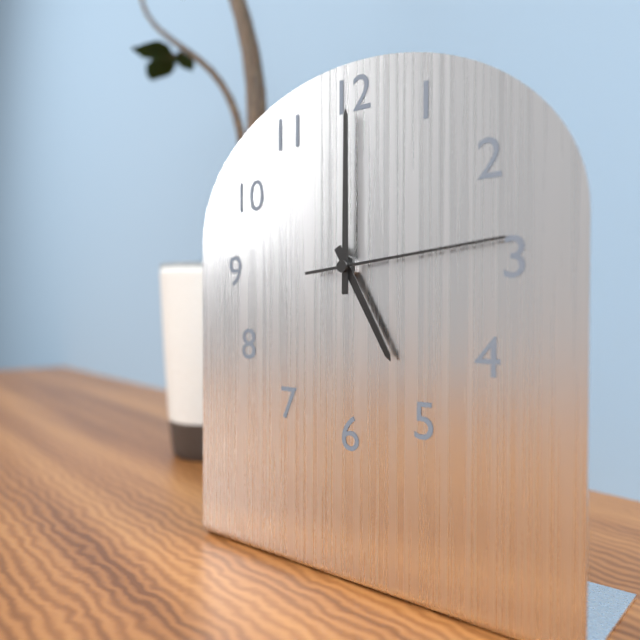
5:00:14
